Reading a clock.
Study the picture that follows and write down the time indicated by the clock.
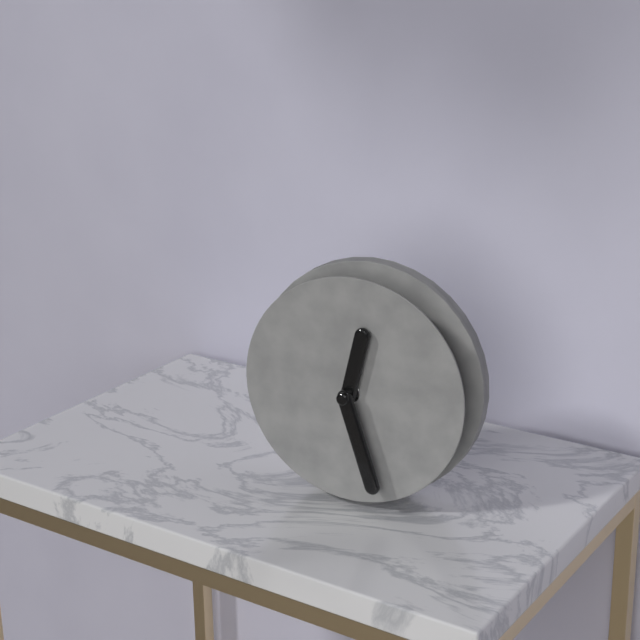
12:27
